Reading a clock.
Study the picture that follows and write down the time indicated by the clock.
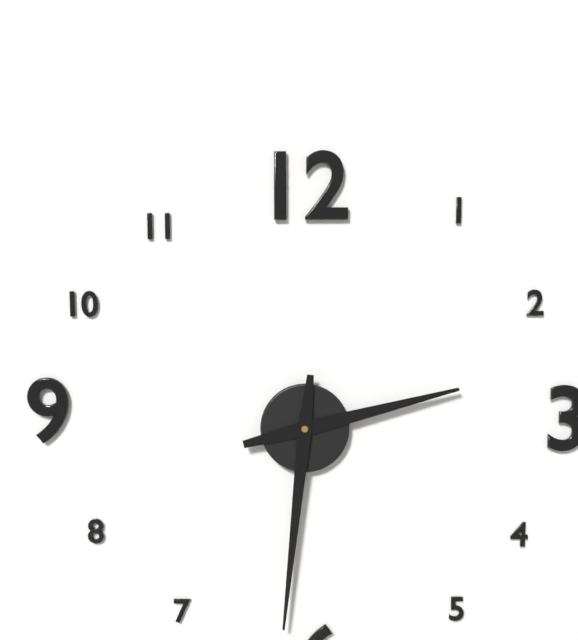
2:31
